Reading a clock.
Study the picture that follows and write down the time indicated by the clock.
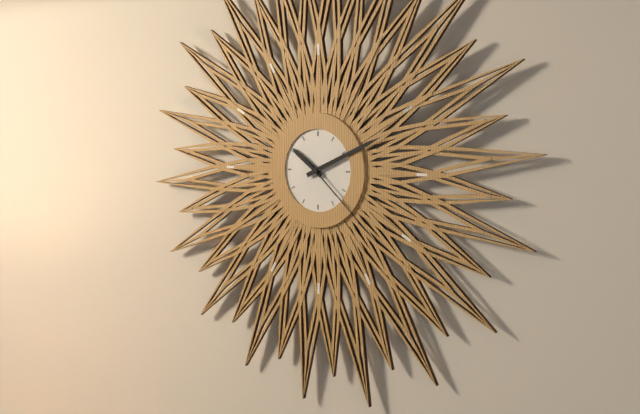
10:11:22
